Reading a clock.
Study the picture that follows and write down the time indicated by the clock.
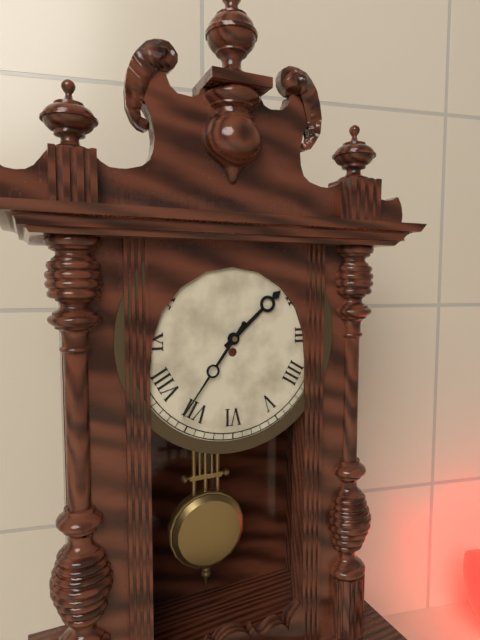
1:36
